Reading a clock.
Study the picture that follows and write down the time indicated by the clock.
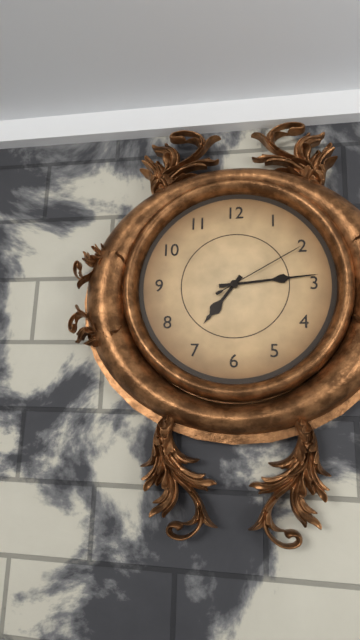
7:14:10
